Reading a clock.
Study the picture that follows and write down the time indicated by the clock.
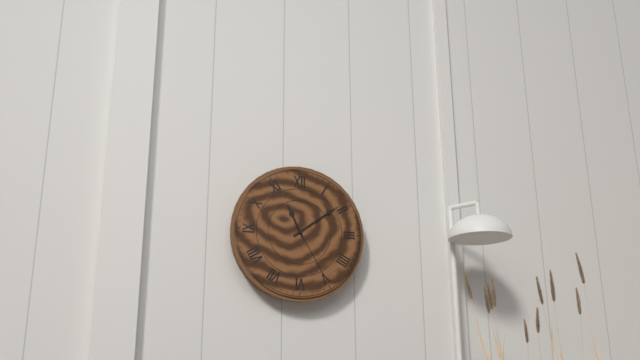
11:09:25
